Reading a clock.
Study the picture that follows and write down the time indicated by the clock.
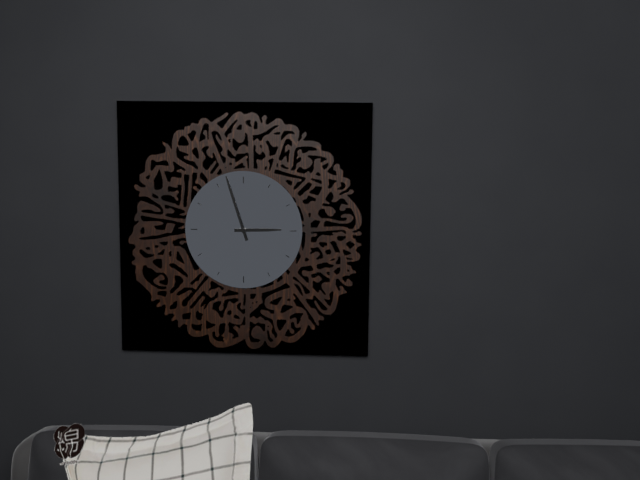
2:57
